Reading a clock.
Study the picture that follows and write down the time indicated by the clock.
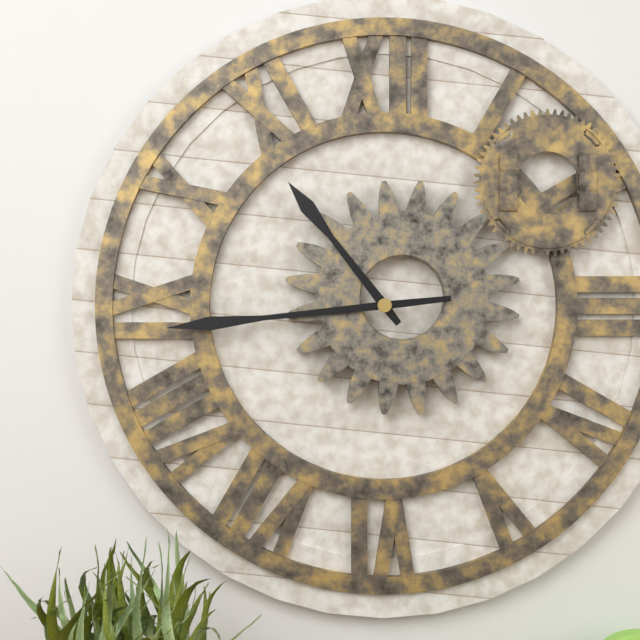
10:44
